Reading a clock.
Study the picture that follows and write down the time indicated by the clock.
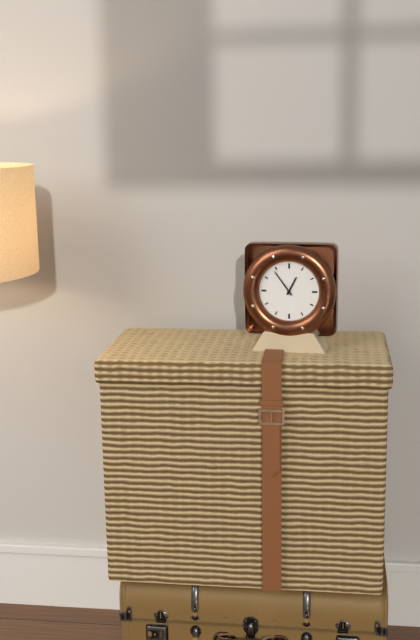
12:54
